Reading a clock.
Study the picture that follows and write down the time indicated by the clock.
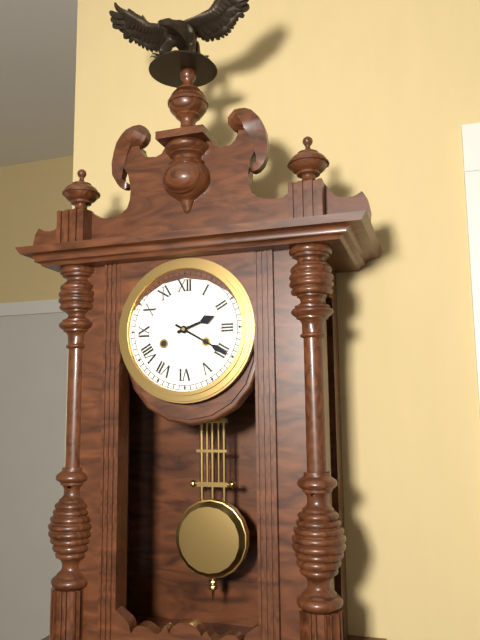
2:20
